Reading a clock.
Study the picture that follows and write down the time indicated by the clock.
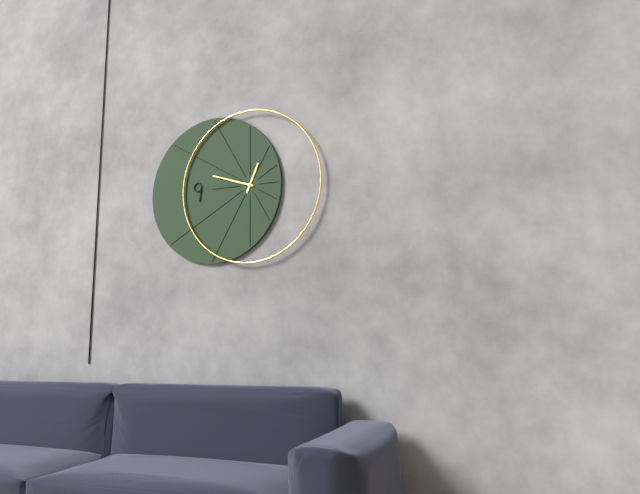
12:48
